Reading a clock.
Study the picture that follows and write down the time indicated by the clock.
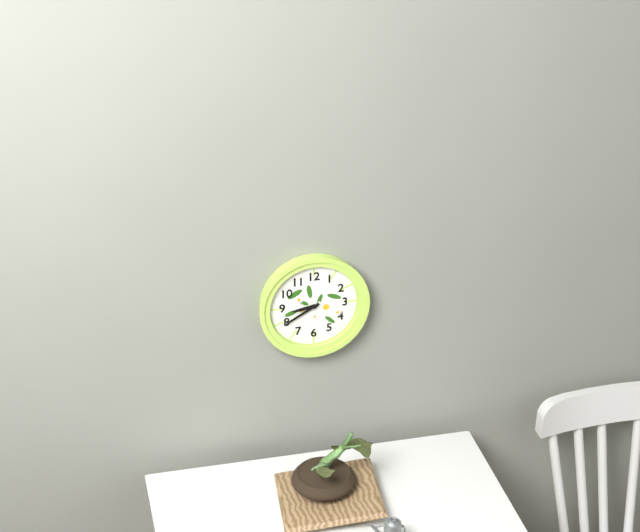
8:40
